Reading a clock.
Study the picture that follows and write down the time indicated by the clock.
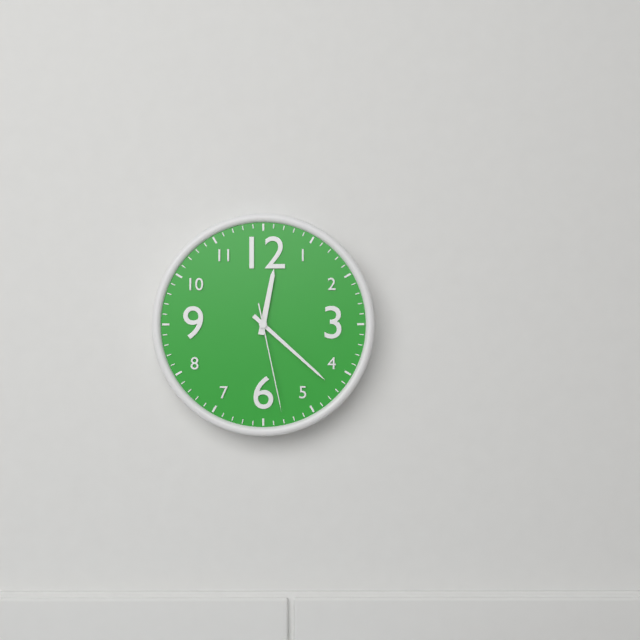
12:22:28
